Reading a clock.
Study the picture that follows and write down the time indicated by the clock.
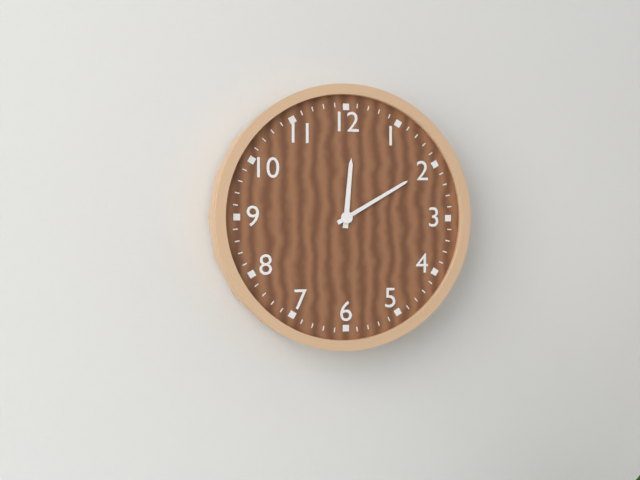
12:10
